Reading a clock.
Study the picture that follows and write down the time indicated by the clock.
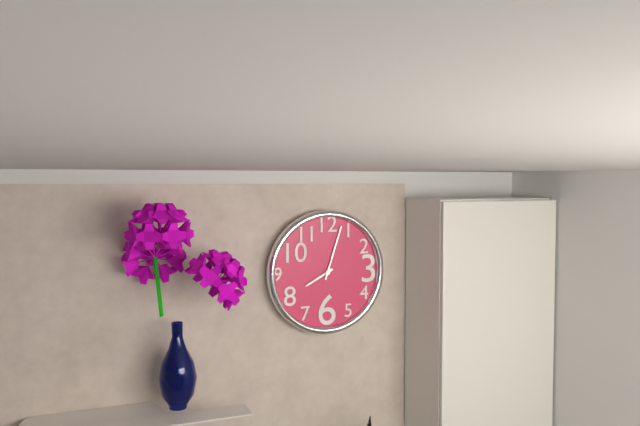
8:03
